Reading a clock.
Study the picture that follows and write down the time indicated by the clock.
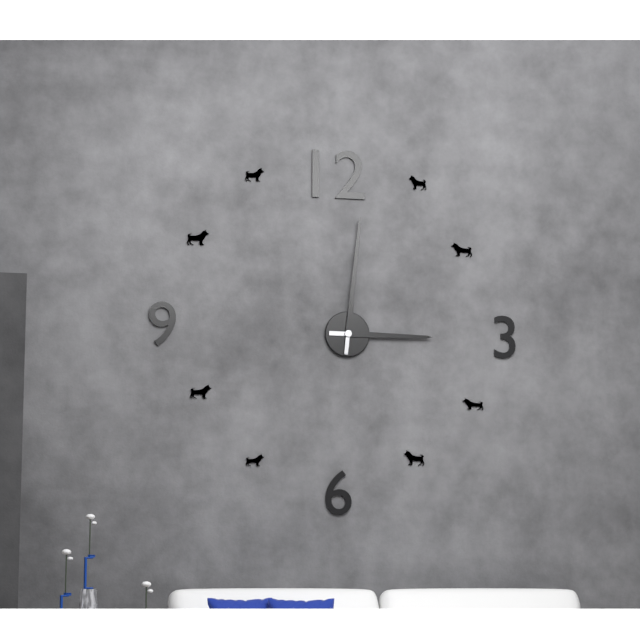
3:01
